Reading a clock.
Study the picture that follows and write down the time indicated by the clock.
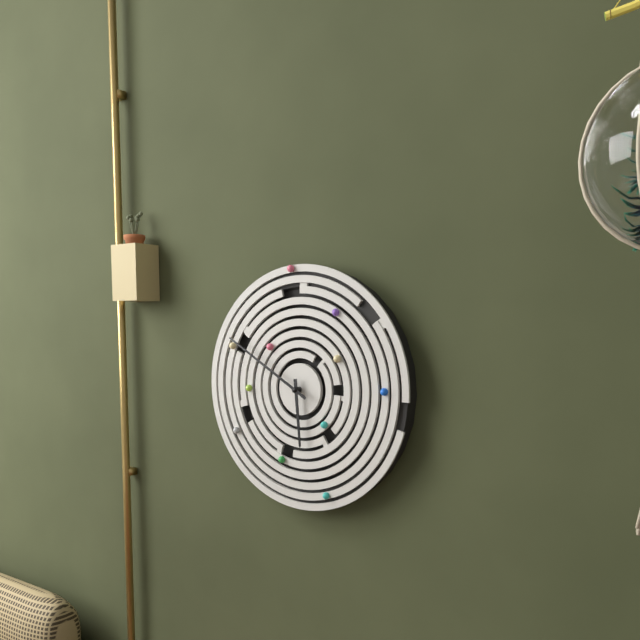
5:50
